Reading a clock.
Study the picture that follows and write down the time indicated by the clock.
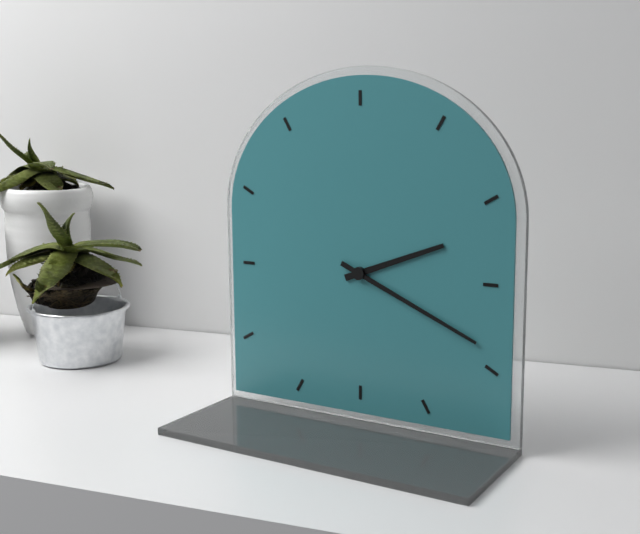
2:19
